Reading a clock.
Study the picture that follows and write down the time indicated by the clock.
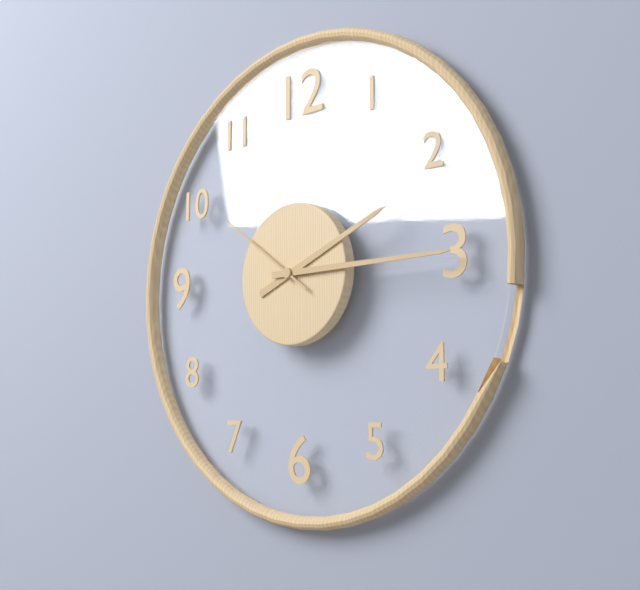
2:15:51
